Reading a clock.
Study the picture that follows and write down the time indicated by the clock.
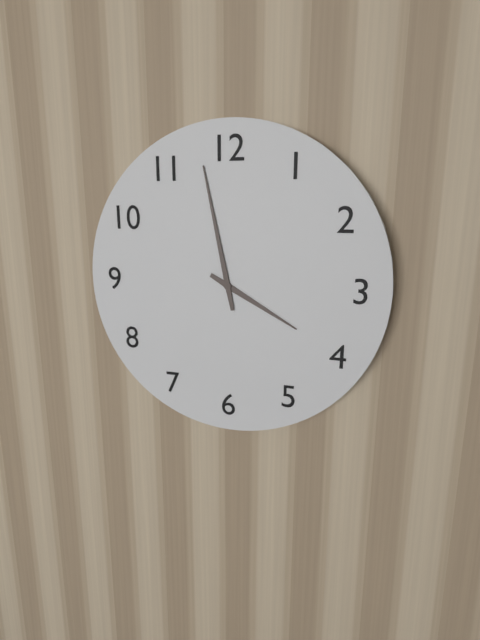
3:58
